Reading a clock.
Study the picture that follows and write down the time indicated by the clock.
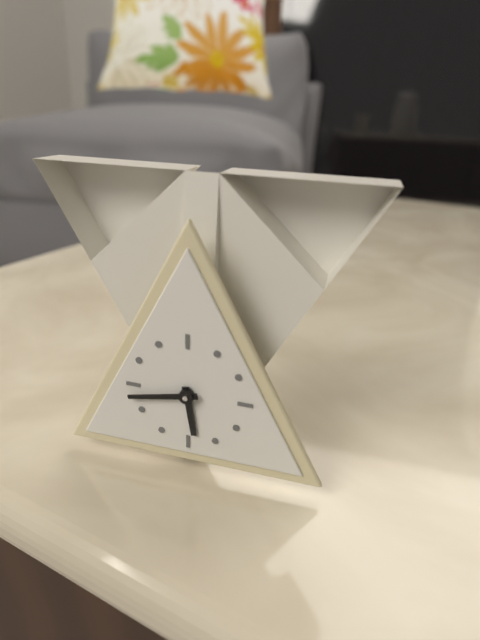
5:43
